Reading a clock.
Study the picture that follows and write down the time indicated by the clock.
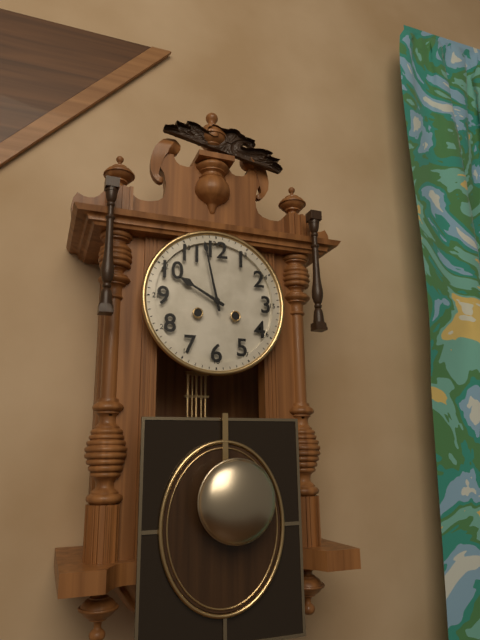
9:58
